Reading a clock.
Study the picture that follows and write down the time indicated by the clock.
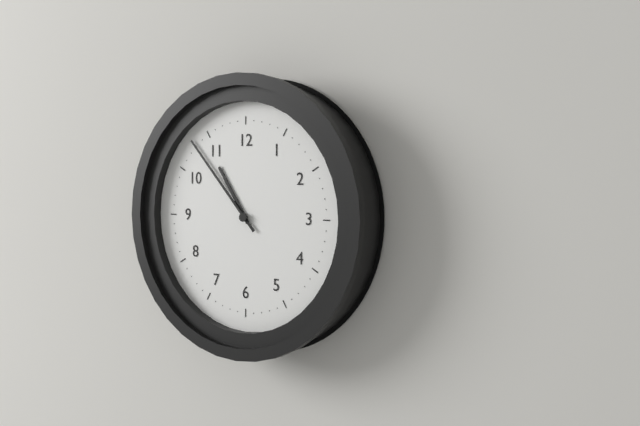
10:53
